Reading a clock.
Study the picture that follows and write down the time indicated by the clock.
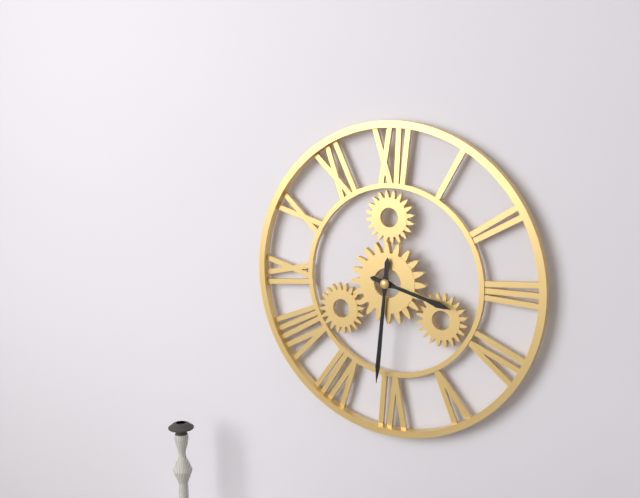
3:31
